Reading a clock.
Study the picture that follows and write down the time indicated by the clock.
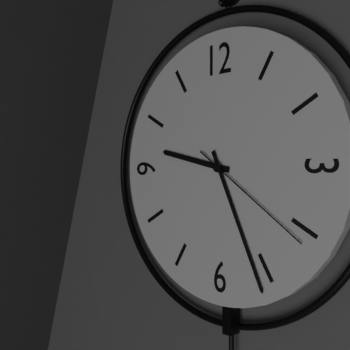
9:26:21
